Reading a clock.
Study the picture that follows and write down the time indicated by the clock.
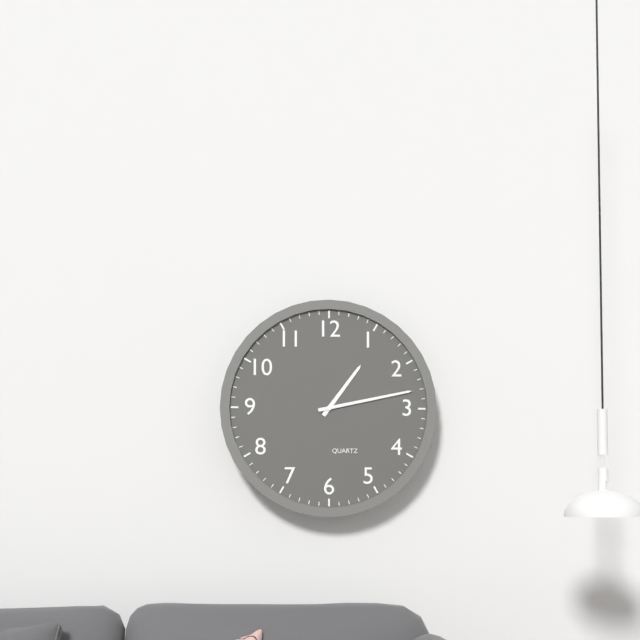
1:13
